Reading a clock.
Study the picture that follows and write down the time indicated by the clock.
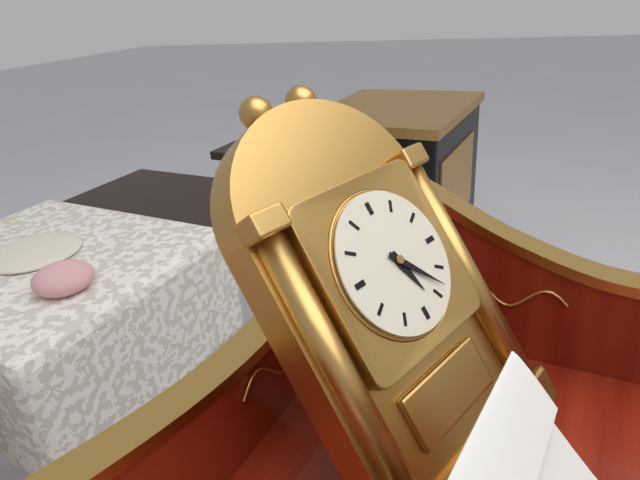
5:23
